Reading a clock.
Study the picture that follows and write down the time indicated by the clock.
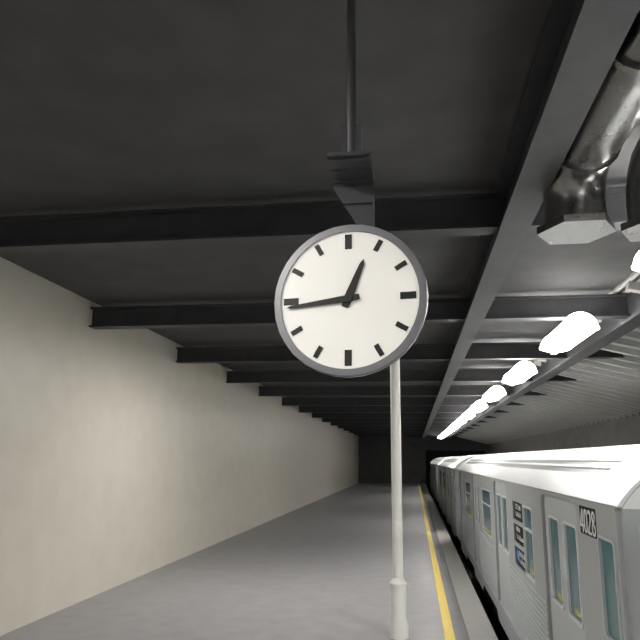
12:44
